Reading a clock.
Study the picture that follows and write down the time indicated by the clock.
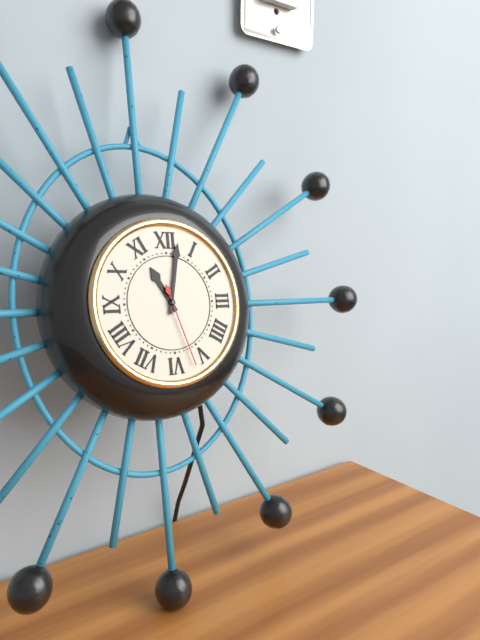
11:02:27
